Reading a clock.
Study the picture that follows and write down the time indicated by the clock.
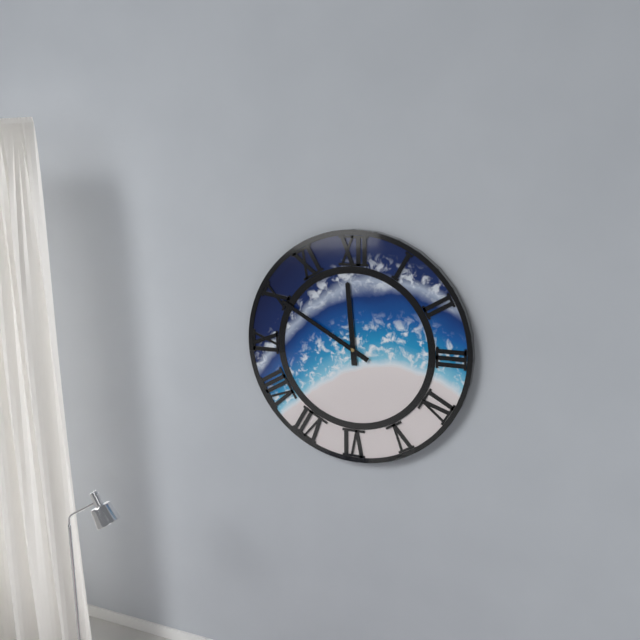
11:50
